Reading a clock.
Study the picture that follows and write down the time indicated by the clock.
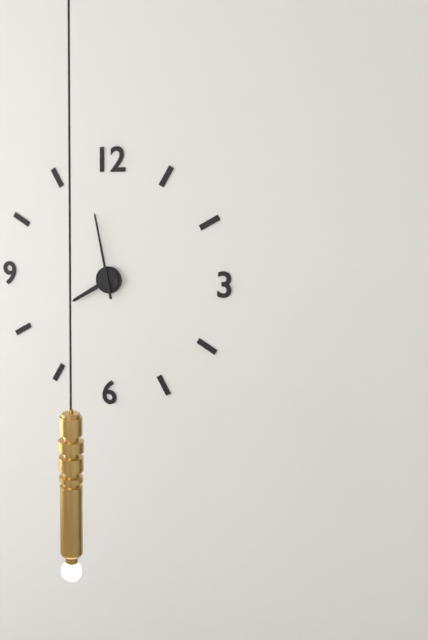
7:58
